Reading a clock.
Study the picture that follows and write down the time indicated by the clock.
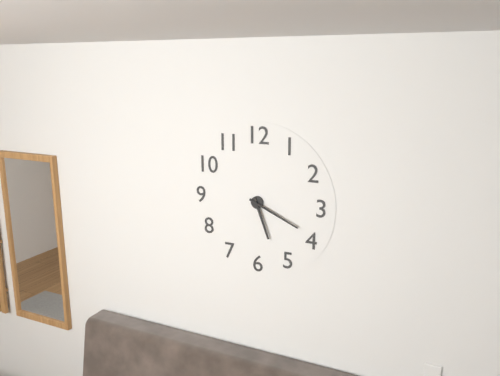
5:19
